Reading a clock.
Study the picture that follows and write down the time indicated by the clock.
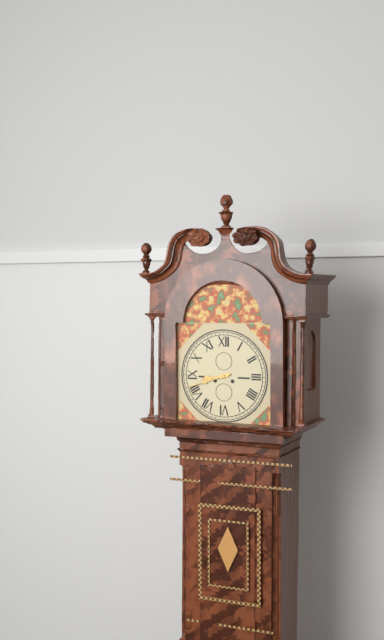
8:42
